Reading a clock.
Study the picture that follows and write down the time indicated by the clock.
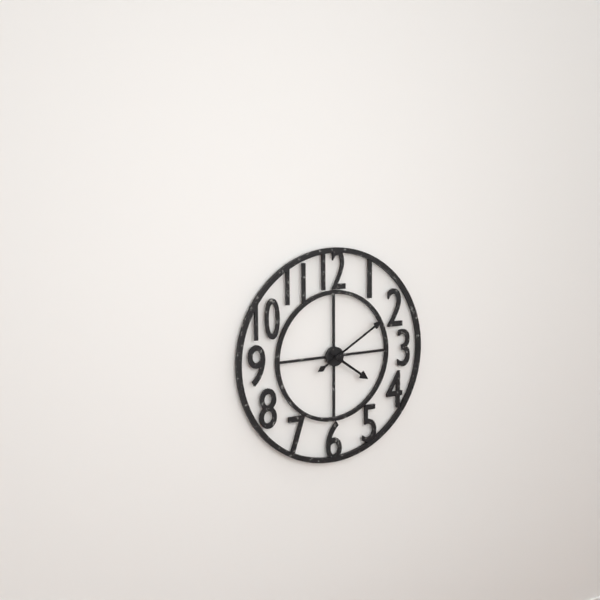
4:10
